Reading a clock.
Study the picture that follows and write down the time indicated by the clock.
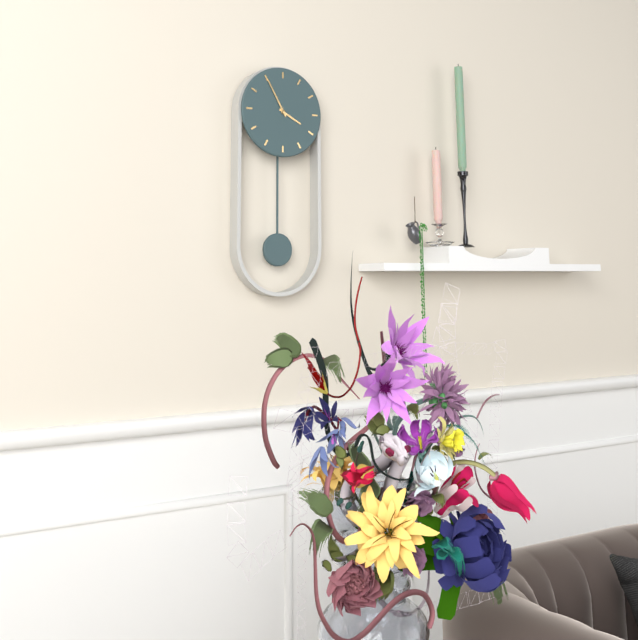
3:55
